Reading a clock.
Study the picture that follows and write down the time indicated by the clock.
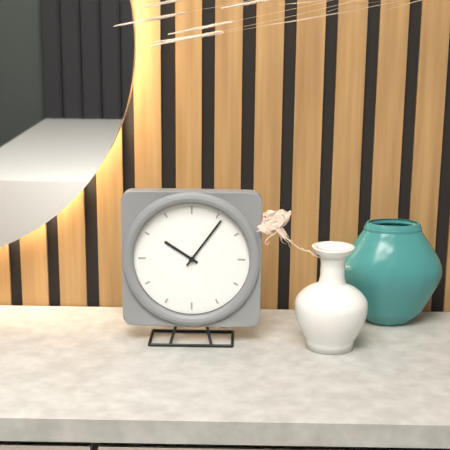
10:06
